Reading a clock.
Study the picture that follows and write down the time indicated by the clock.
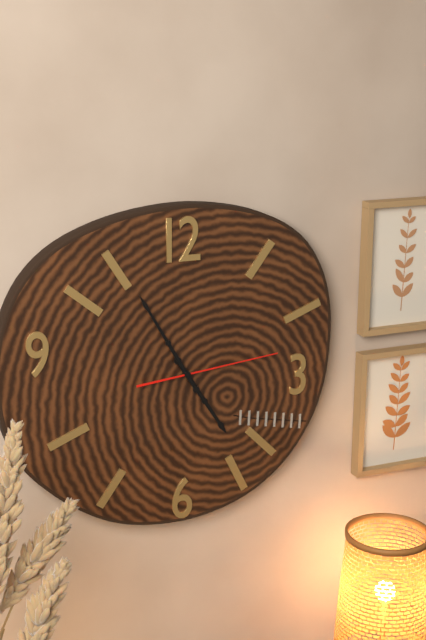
4:55:14
